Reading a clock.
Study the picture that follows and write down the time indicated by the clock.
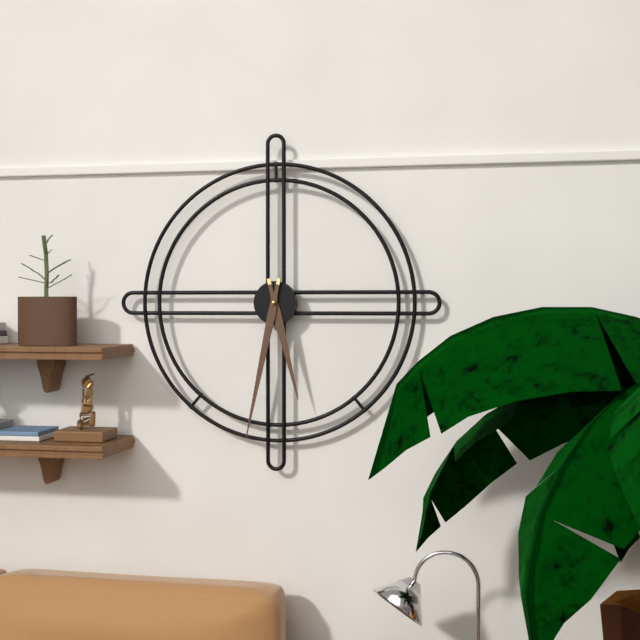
5:32
